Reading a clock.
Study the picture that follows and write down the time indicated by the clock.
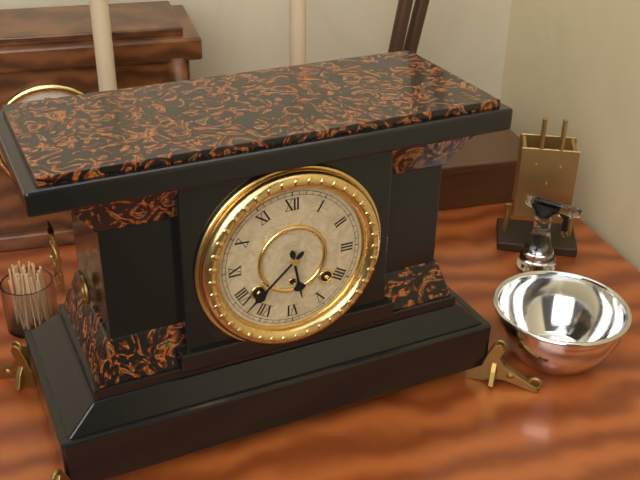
5:38
